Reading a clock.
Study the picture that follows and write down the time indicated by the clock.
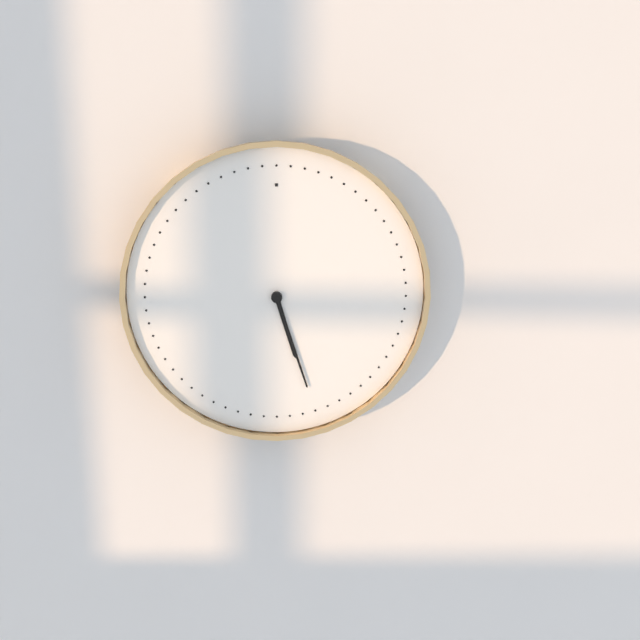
5:27
